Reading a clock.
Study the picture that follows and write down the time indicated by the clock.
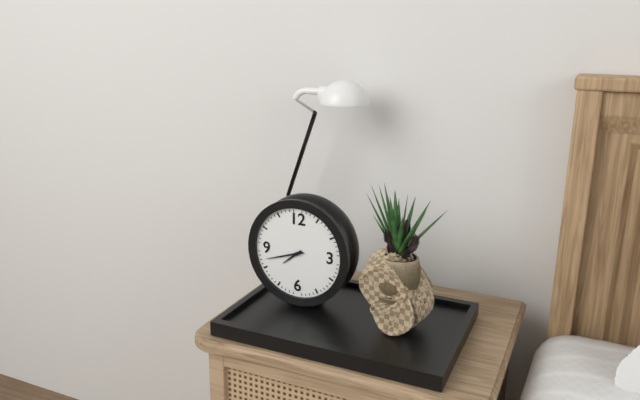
7:42
